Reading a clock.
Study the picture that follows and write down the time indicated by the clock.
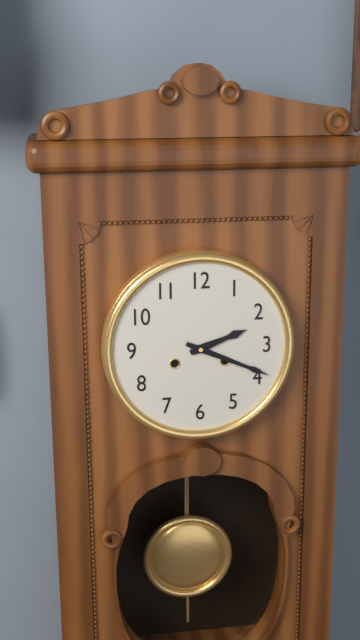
2:19
